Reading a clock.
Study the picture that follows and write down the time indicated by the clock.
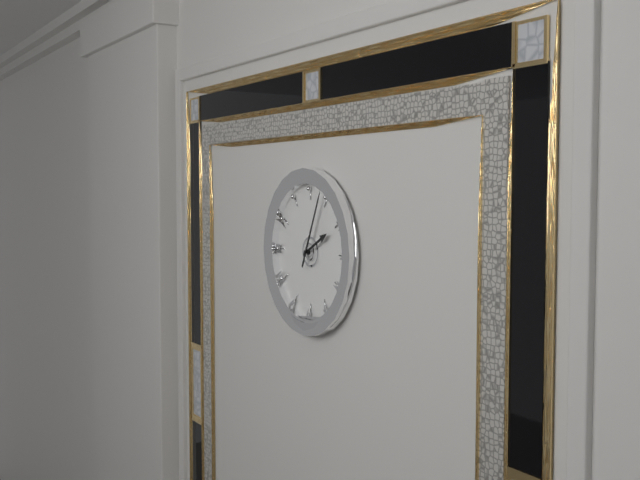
2:04
